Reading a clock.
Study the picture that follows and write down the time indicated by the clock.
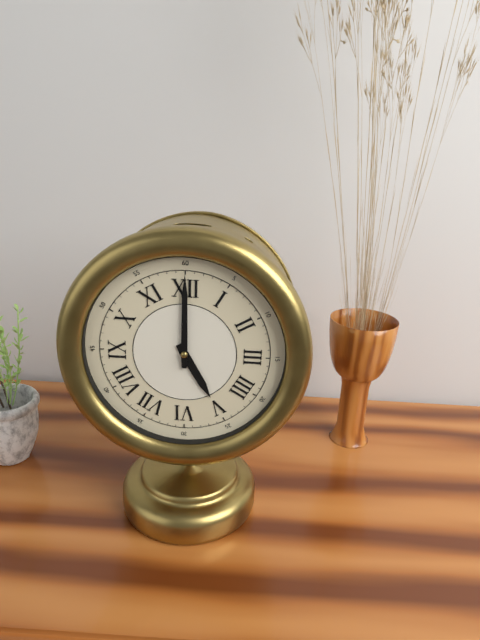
5:00
